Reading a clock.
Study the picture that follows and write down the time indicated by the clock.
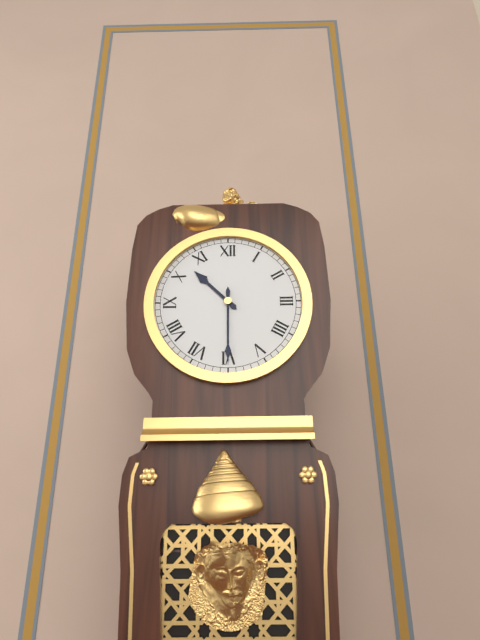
10:30
